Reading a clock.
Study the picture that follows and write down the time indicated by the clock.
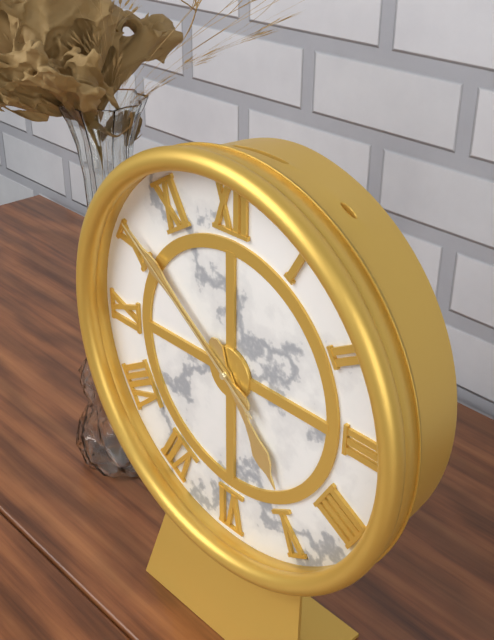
4:51:51
